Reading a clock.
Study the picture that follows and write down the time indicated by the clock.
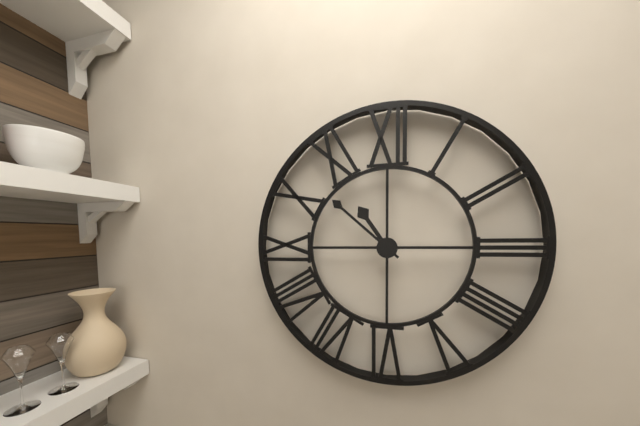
10:52
